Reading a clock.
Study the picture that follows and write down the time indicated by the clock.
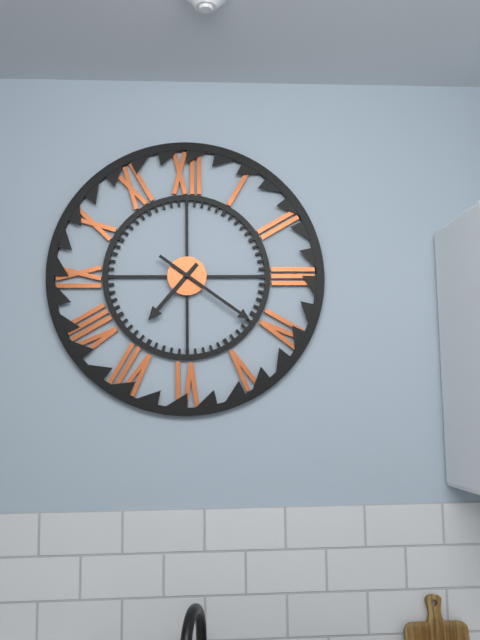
7:21
